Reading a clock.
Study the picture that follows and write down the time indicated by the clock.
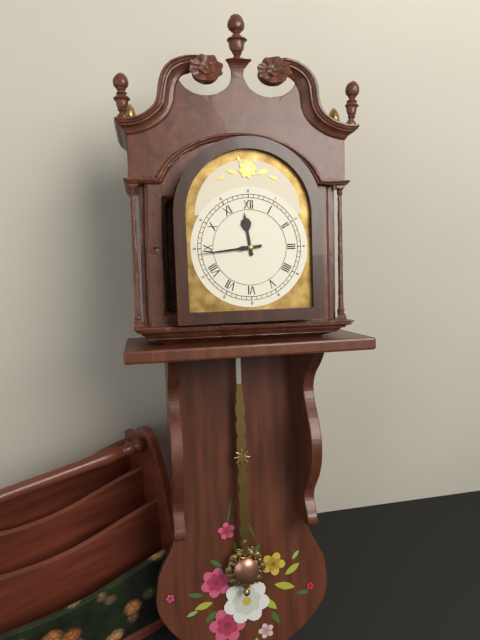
11:44
